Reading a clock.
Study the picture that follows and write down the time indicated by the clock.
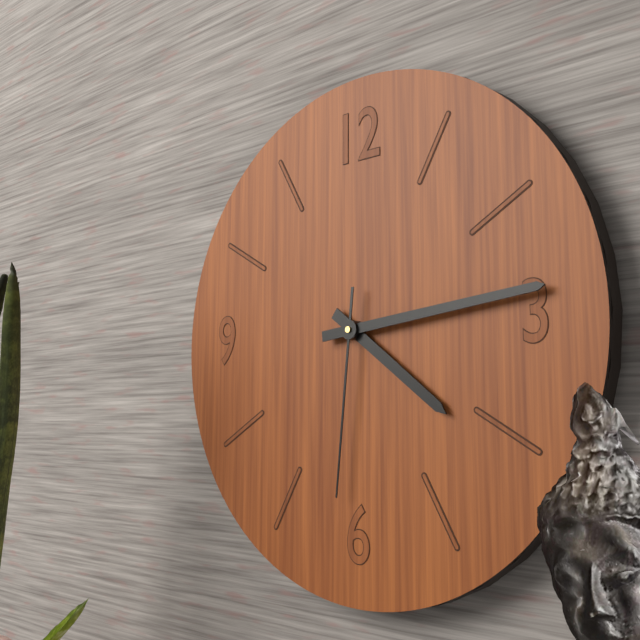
4:14:31
